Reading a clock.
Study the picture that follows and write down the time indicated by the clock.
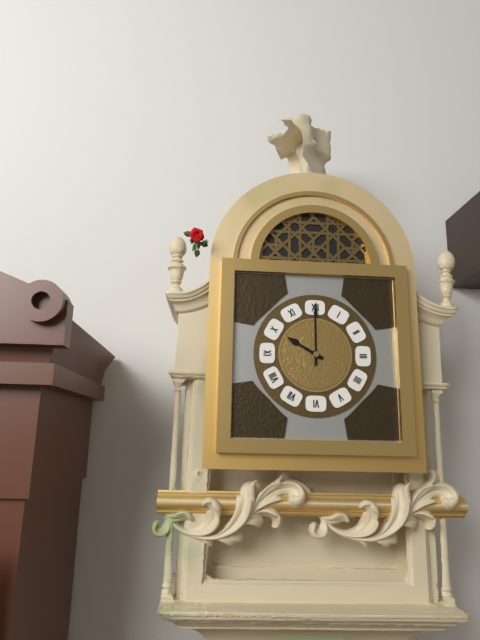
10:00
